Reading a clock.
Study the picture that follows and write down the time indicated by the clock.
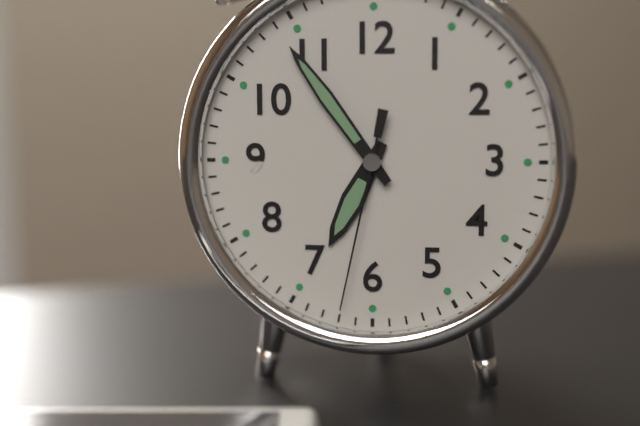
6:54:32
